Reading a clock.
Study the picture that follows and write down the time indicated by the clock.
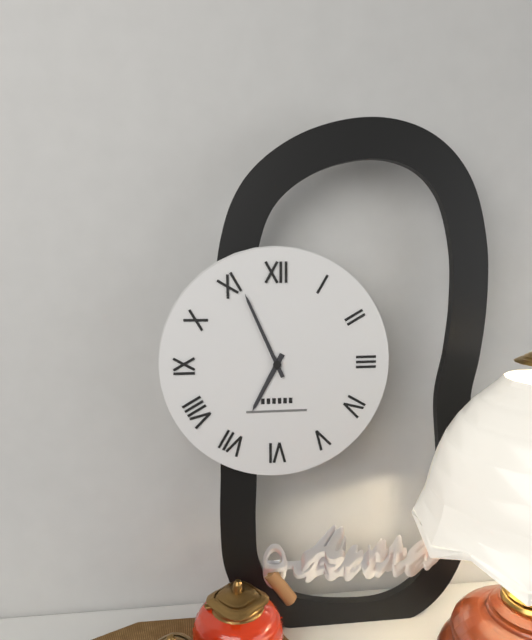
6:56
